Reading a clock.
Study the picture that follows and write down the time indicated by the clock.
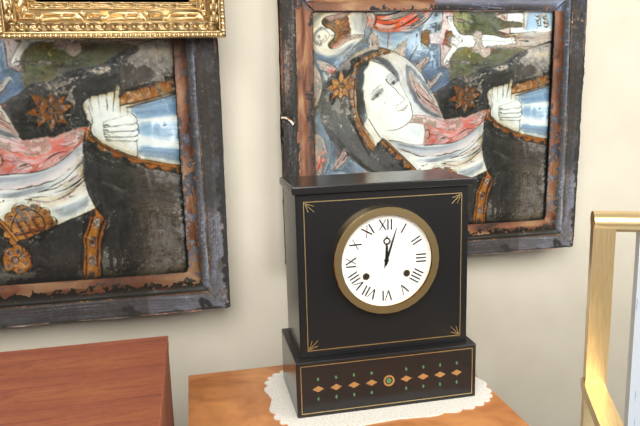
12:03
